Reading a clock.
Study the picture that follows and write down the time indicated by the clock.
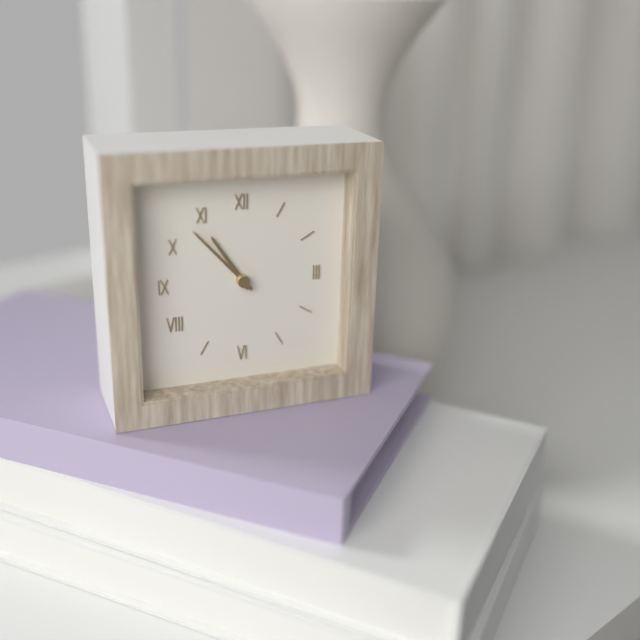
10:53
